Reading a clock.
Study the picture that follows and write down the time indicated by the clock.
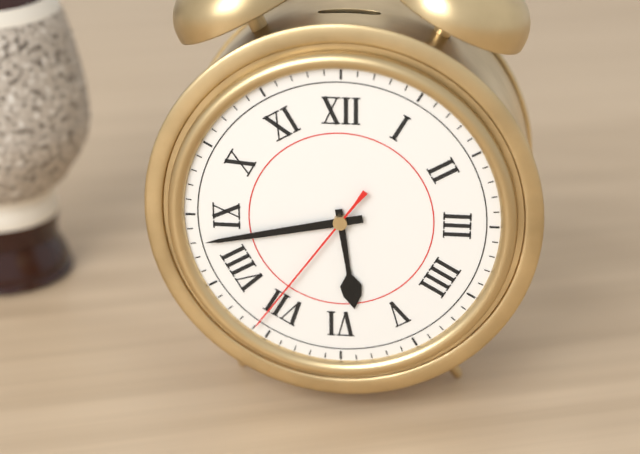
5:43:36
